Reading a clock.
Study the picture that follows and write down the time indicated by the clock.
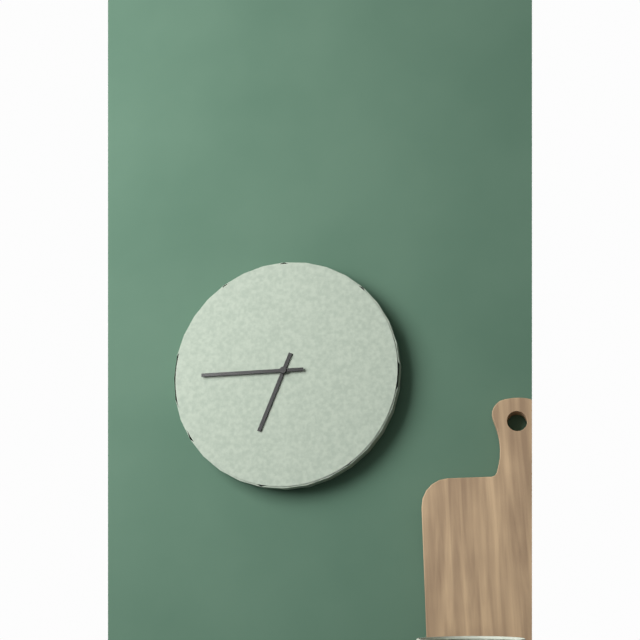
6:45
